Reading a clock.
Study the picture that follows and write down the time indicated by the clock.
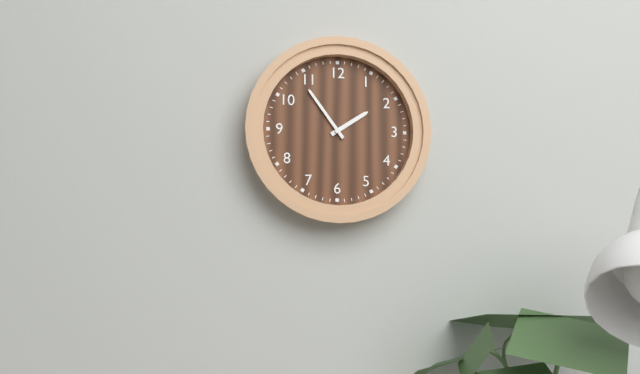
1:54
